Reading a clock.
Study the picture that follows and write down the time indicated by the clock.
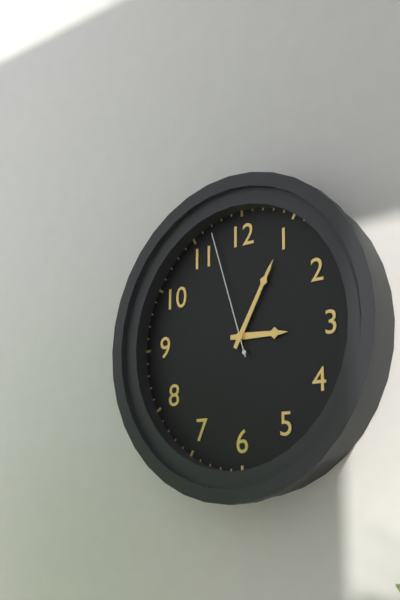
3:05:57
